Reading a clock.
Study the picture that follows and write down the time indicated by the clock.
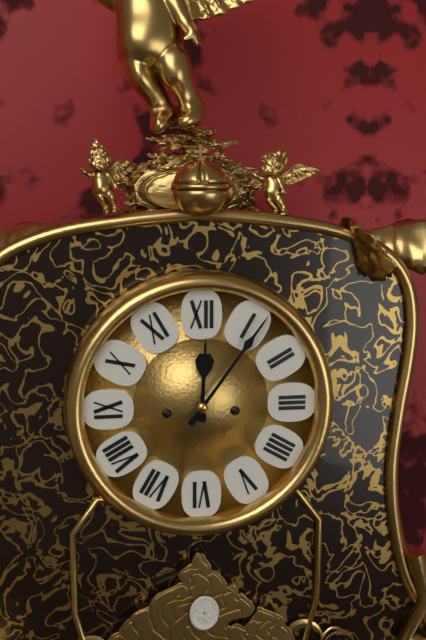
12:06
